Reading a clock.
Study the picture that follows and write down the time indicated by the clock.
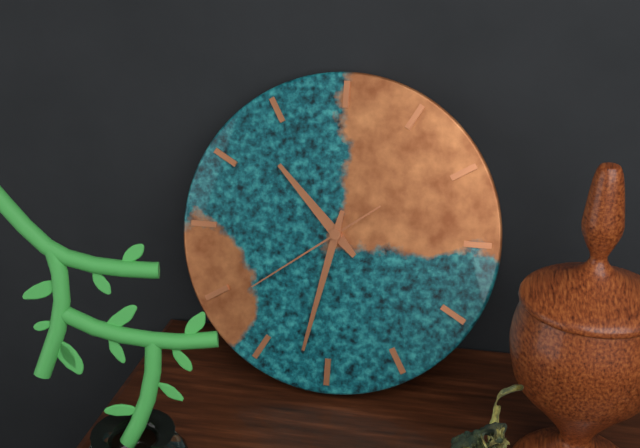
10:32:39
